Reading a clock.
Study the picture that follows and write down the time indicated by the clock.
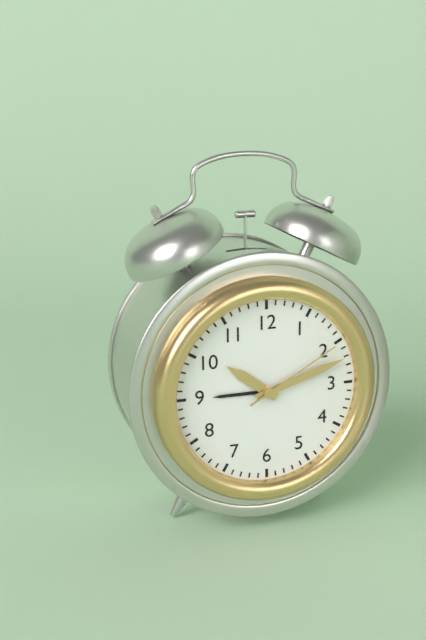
10:12:10
